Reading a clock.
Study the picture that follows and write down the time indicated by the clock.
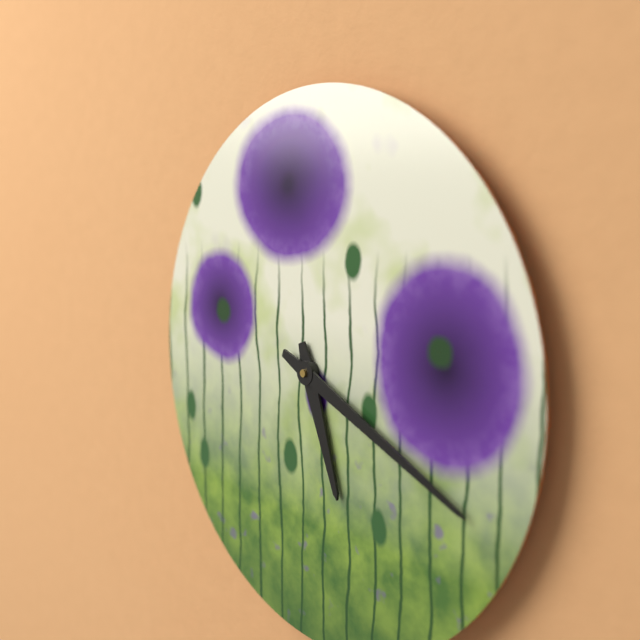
5:19
